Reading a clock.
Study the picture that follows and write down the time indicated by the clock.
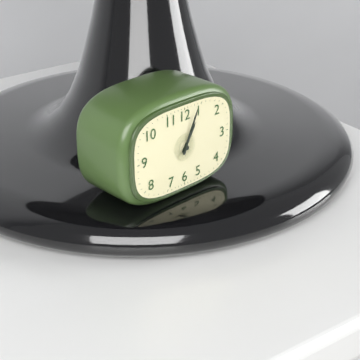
1:04
